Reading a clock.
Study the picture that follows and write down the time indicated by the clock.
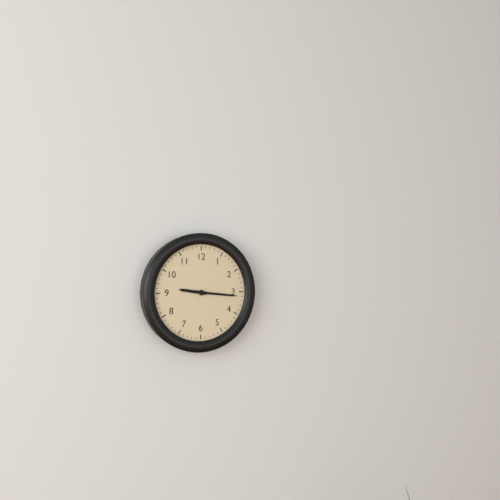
9:16
